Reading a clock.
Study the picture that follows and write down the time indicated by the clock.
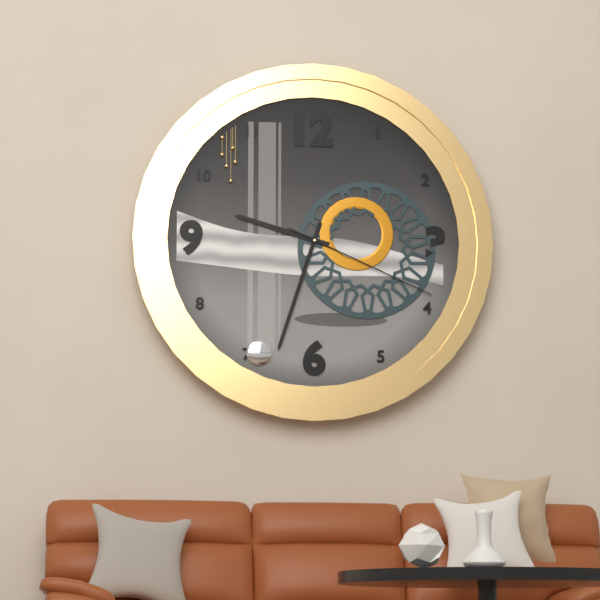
9:33:19
